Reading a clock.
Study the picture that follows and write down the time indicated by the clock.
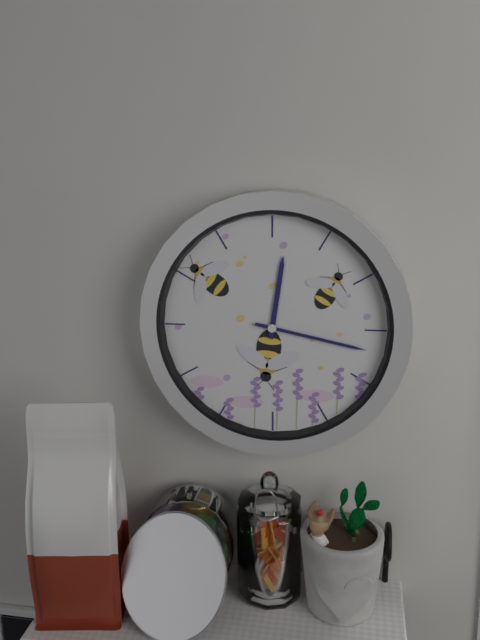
12:17
